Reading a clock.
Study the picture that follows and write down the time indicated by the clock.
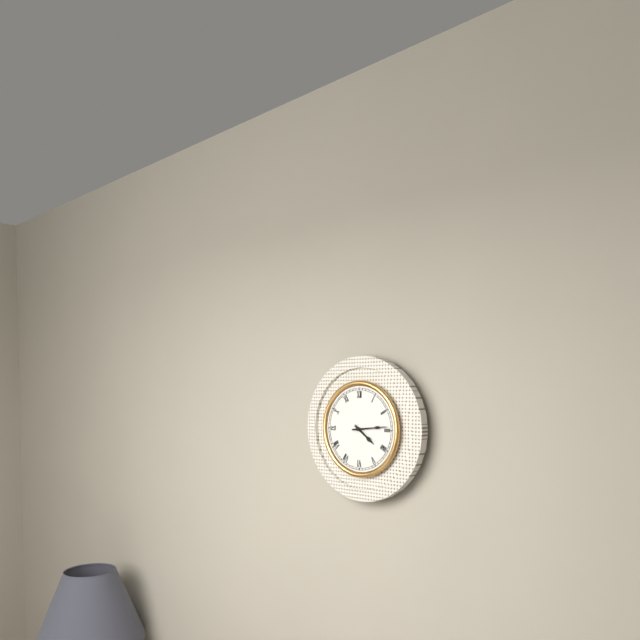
4:14
